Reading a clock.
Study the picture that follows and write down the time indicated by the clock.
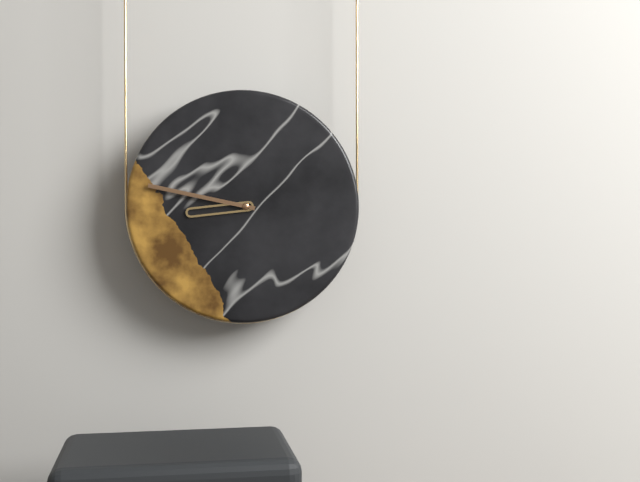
8:47
